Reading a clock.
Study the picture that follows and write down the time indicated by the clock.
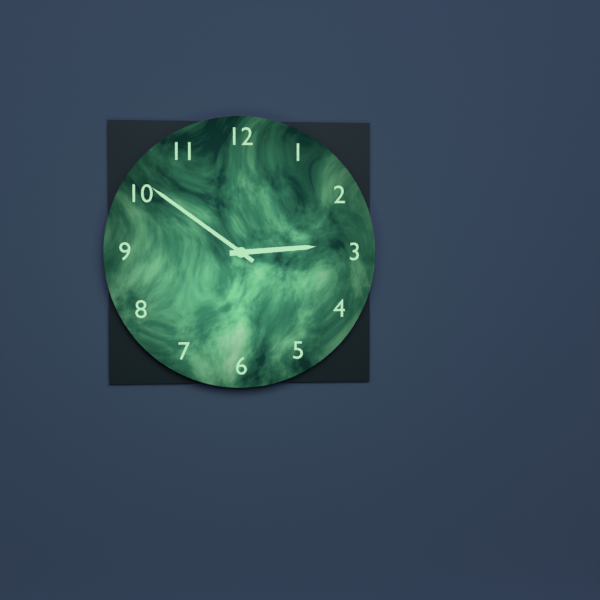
2:51
